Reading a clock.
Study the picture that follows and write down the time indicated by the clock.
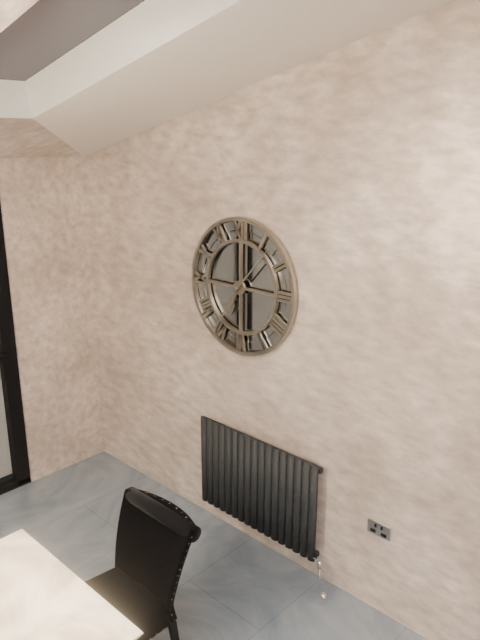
7:07
